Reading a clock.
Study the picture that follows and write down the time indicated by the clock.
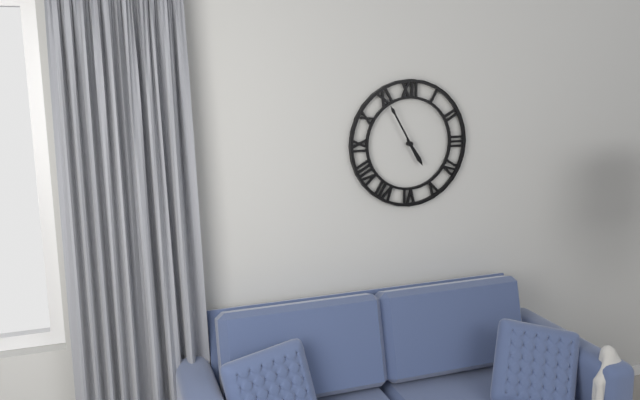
4:55
